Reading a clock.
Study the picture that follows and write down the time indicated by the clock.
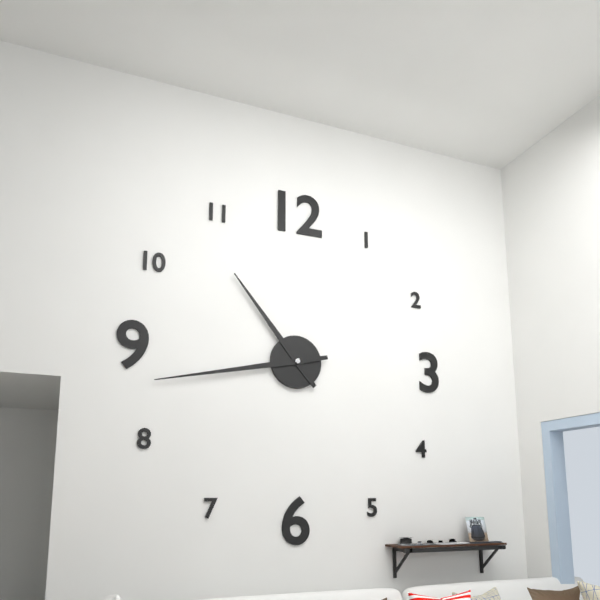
10:43
